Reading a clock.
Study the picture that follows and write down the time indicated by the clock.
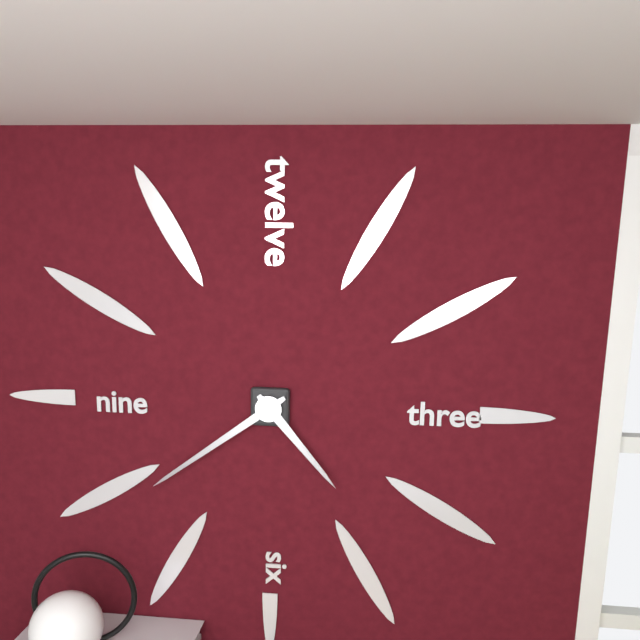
4:39
